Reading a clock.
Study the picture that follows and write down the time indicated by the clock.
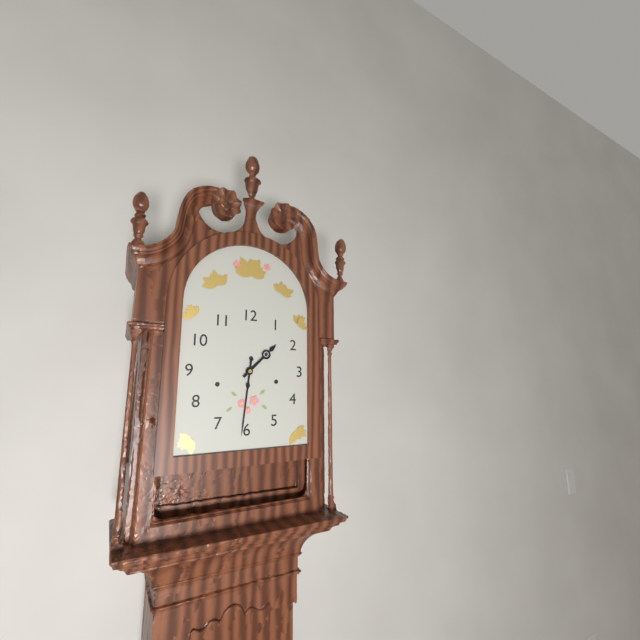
1:31
